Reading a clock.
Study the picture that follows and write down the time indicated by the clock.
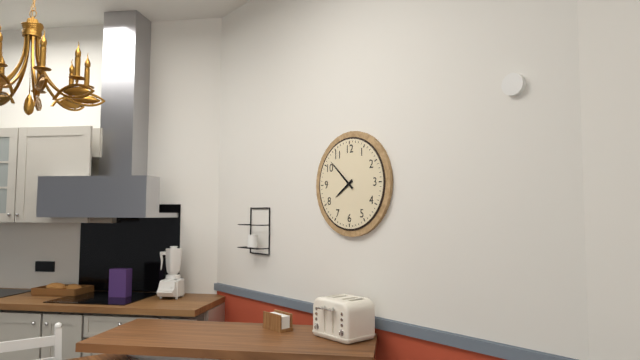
7:52
